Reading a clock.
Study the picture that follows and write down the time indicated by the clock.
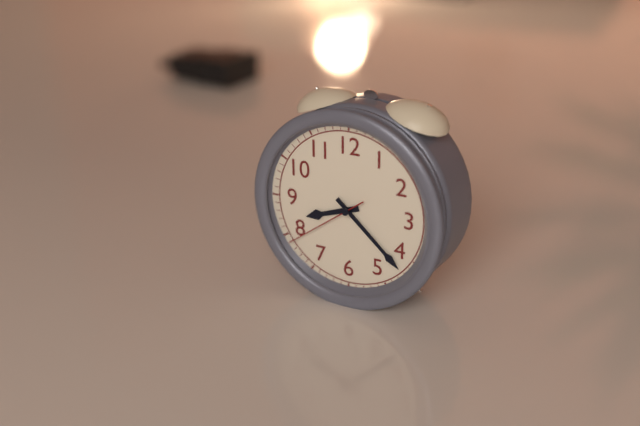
8:22:39
